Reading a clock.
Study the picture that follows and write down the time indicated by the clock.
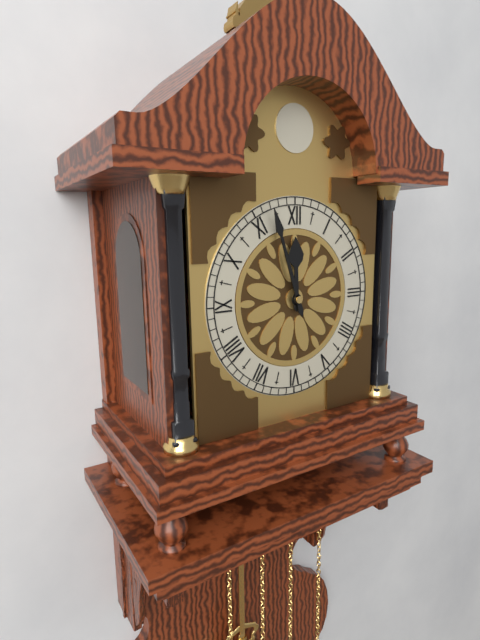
11:57
